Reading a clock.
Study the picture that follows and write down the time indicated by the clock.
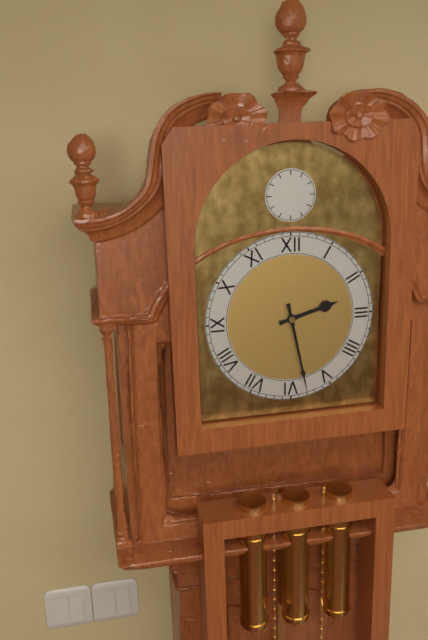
2:28
